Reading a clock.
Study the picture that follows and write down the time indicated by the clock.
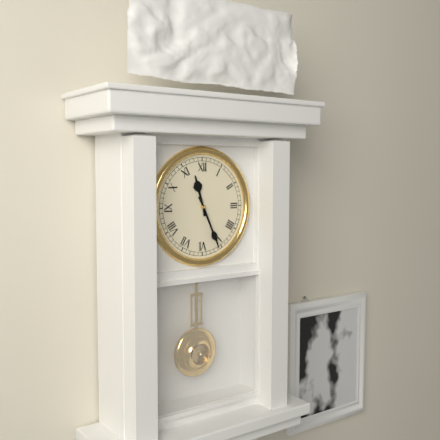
11:26
